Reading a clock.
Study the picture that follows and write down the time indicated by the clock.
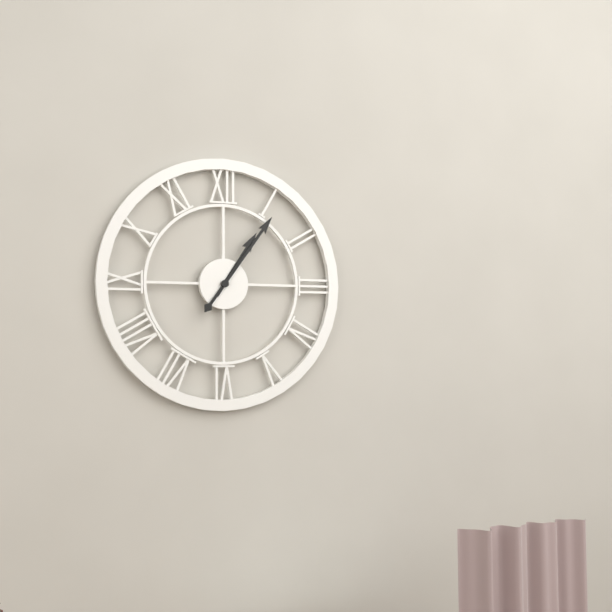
1:06
